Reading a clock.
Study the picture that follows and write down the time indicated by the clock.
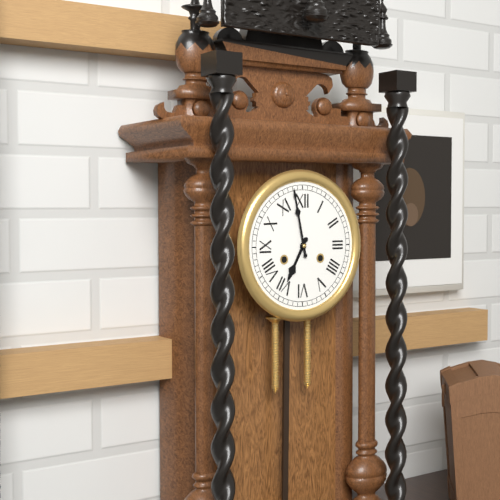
6:58
